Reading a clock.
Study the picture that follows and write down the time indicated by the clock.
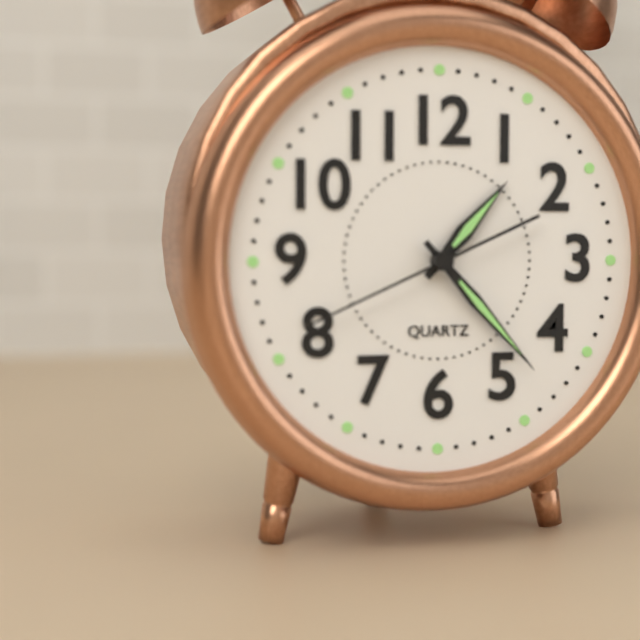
1:23:41
